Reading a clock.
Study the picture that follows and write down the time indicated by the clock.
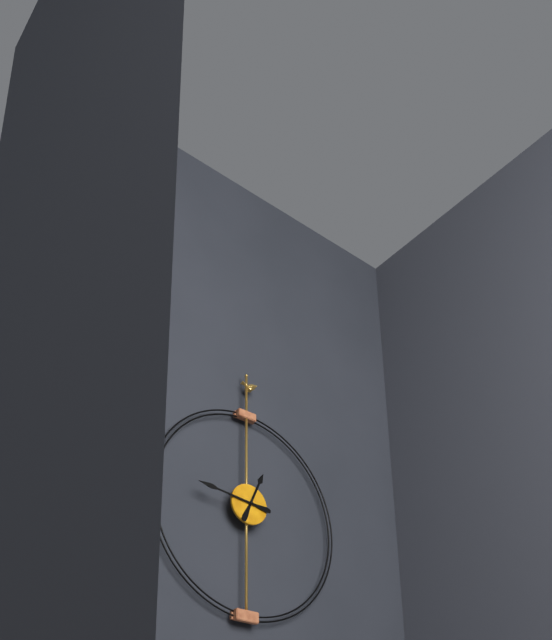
12:46
